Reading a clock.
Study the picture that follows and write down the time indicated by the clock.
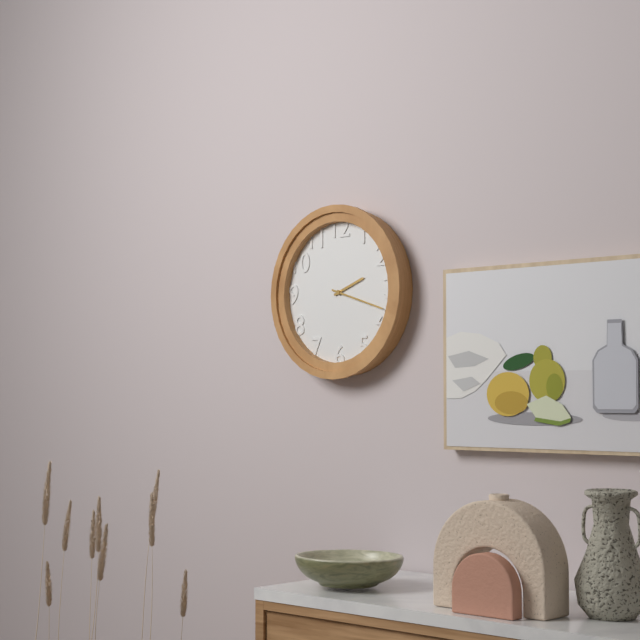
2:18
